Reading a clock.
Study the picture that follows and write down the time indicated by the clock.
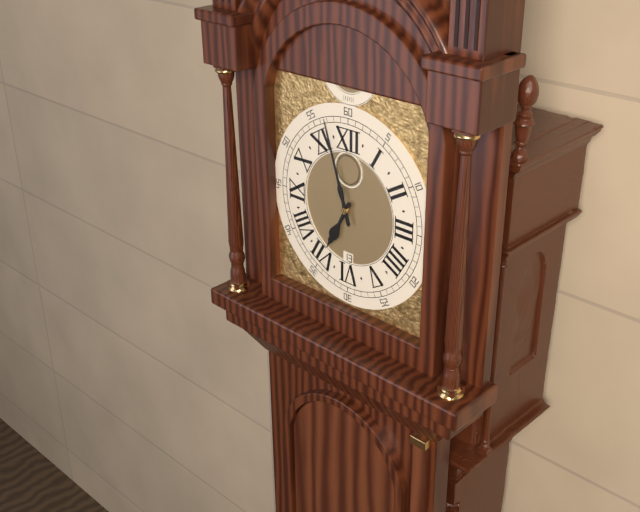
6:57
